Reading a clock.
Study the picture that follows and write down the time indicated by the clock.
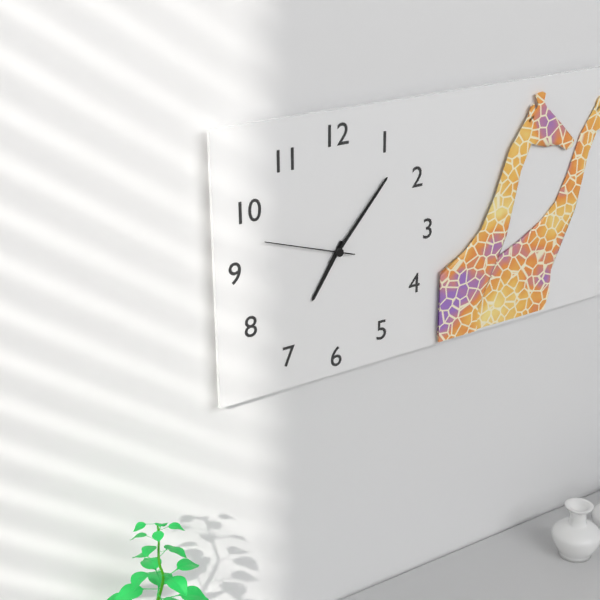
7:07:48
